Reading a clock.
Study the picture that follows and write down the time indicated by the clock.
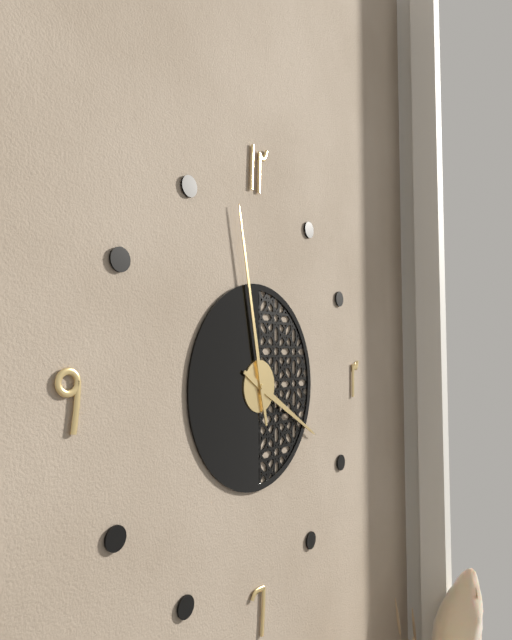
3:58
